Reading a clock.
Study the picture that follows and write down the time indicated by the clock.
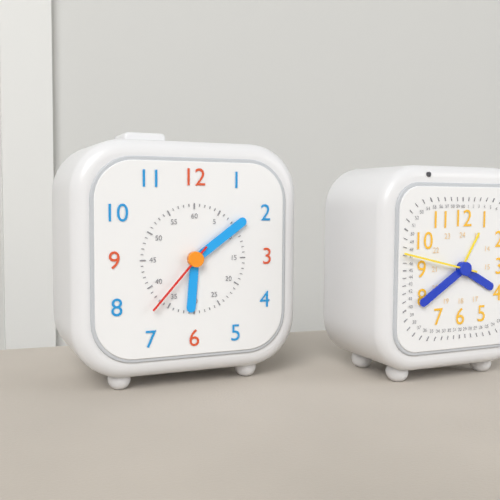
6:09:37
